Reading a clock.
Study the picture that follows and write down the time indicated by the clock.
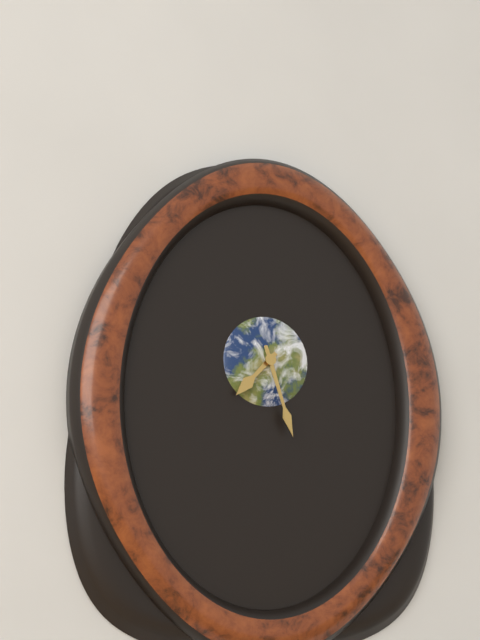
7:27
